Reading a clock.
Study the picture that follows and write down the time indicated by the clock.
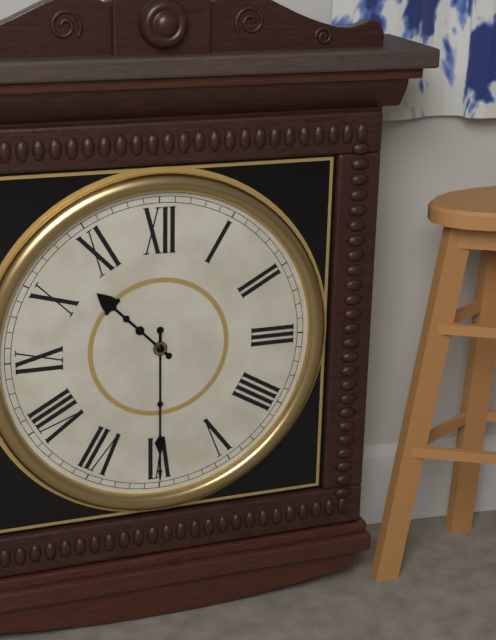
10:30
